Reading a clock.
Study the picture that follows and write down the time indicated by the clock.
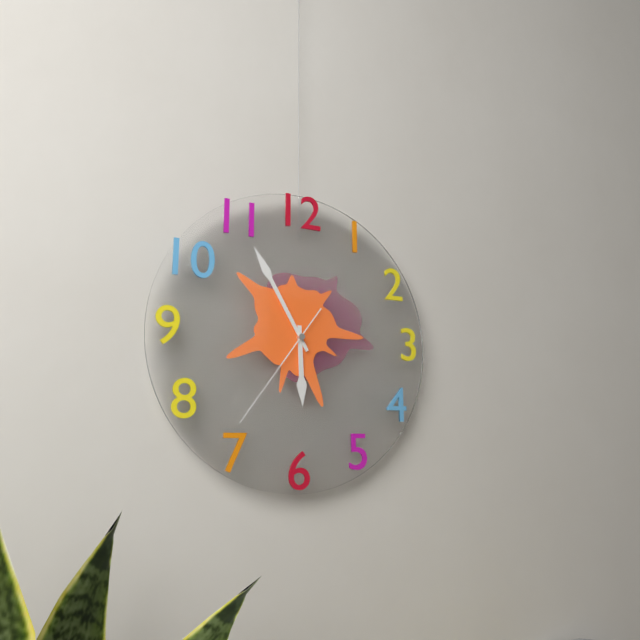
5:55:36
